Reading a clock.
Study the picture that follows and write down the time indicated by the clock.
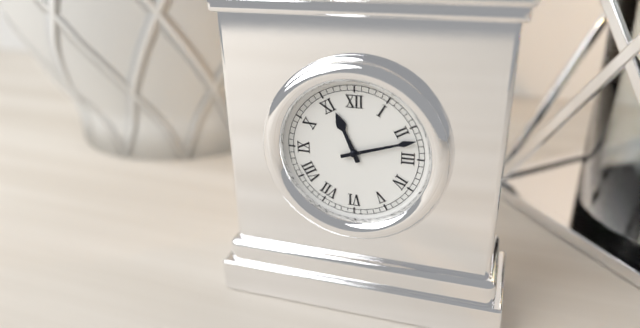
11:12
